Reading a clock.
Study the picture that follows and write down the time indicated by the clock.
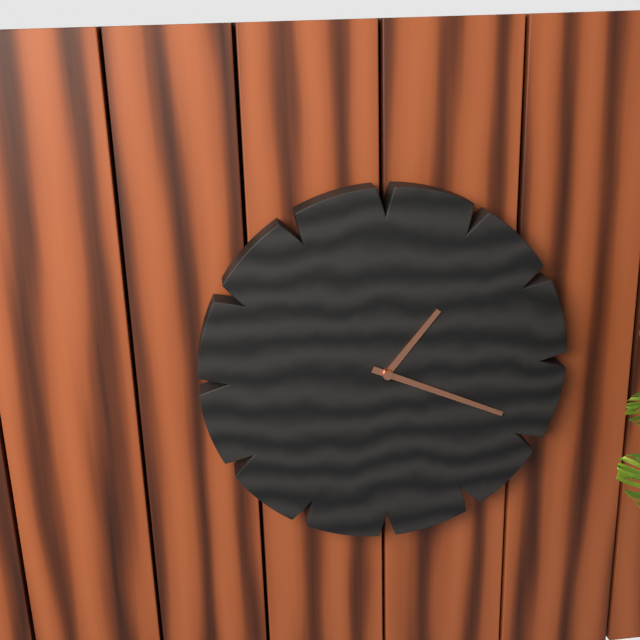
1:19
